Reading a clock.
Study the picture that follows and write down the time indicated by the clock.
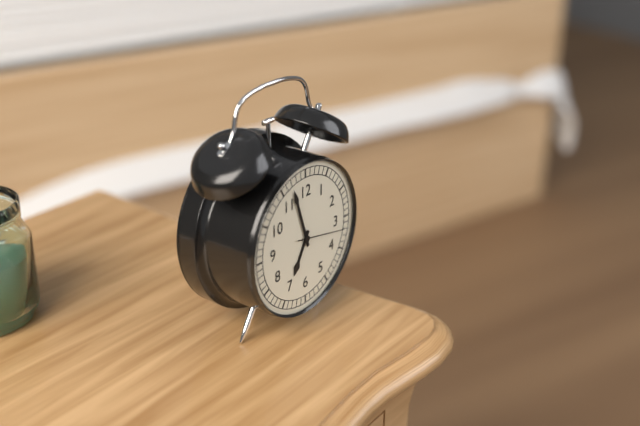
6:57:17
